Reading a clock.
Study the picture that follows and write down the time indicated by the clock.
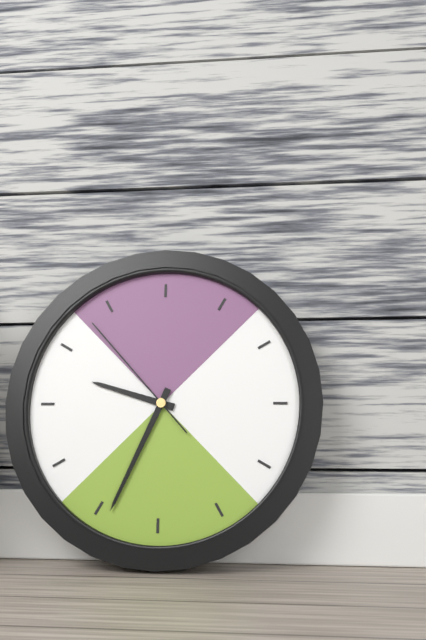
9:34:53
